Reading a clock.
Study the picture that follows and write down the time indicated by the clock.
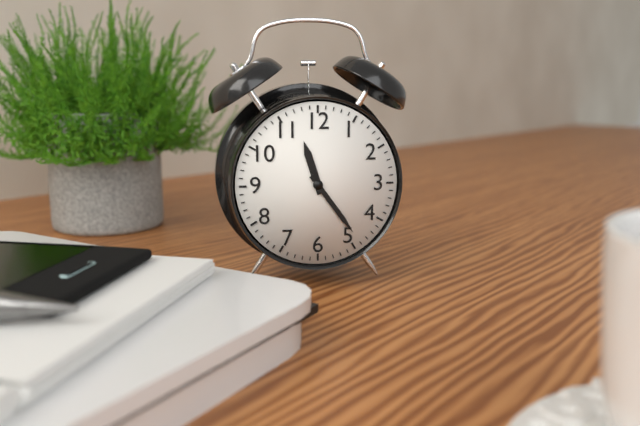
11:24
